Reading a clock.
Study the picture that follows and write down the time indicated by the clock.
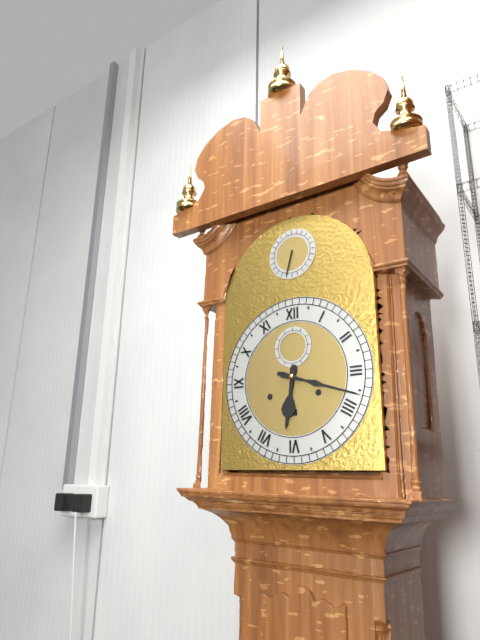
6:18
